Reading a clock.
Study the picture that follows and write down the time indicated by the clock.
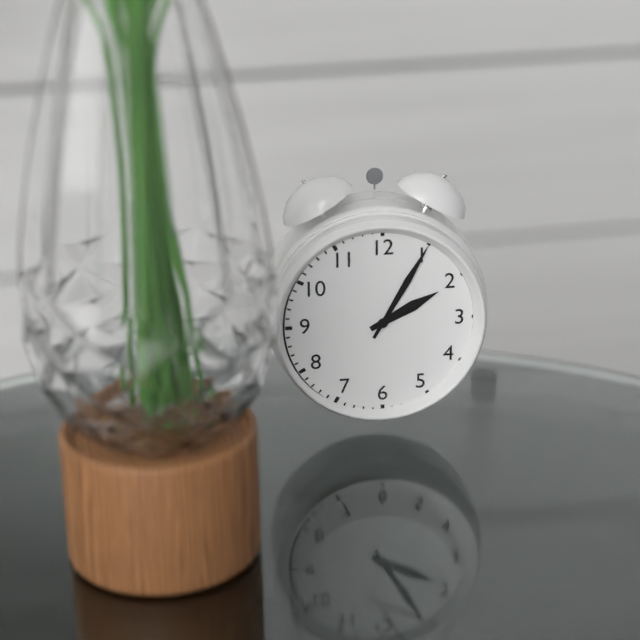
2:05
